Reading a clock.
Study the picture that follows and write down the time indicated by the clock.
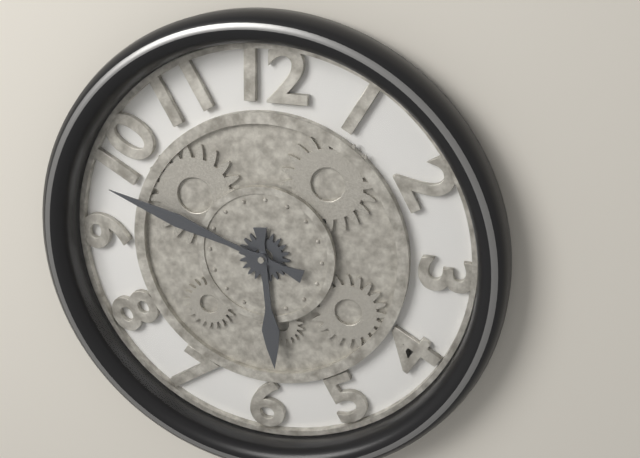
5:48
